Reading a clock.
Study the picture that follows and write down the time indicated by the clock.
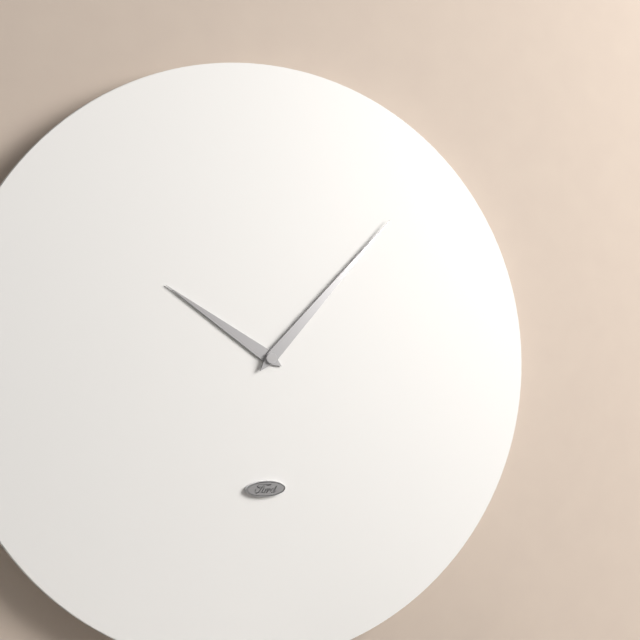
10:07
